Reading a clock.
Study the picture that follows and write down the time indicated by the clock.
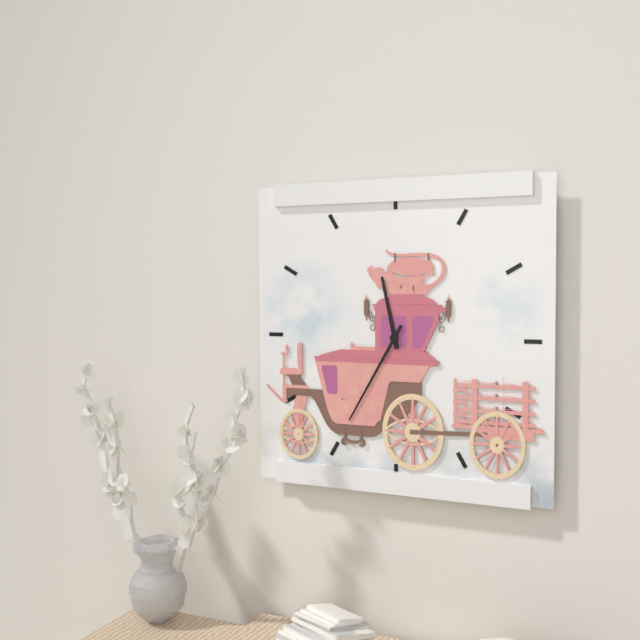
11:35
